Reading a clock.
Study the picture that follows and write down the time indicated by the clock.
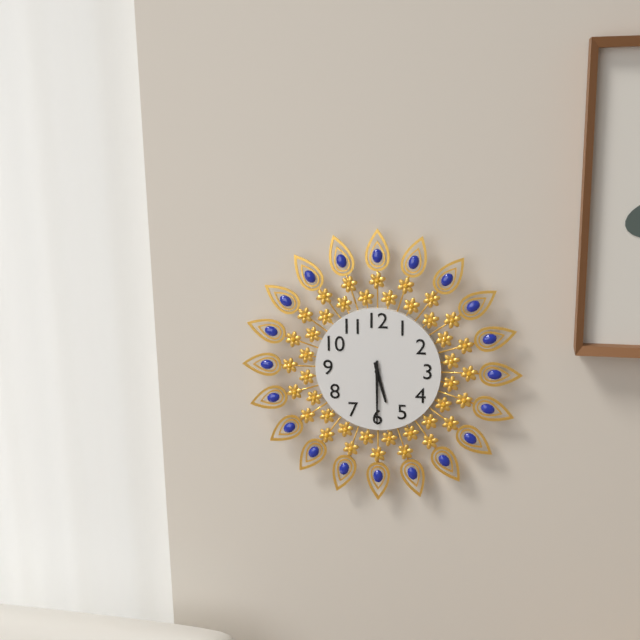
5:30
